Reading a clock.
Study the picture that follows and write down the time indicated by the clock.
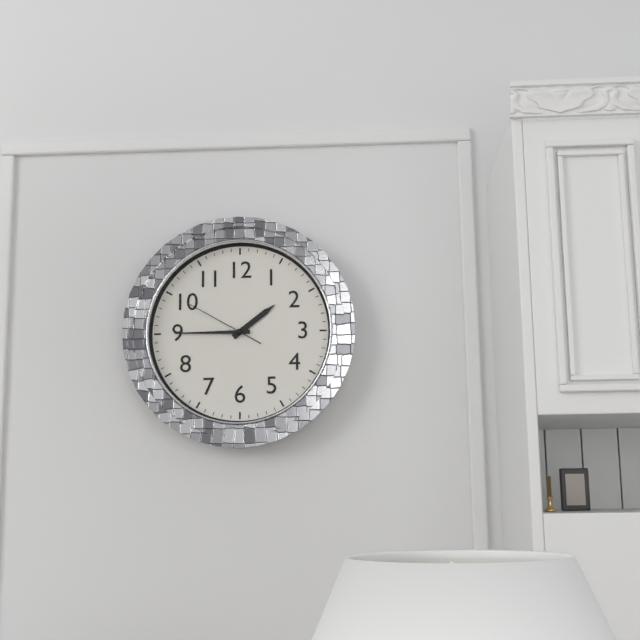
1:45:50
